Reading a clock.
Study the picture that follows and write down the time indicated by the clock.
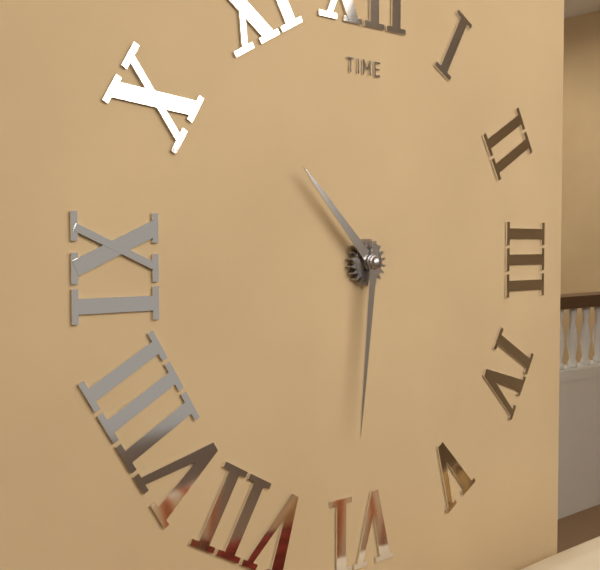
10:31
